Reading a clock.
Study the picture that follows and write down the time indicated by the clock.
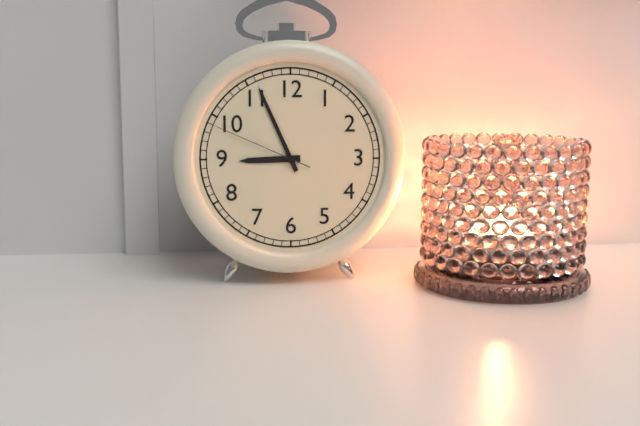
8:56:49
